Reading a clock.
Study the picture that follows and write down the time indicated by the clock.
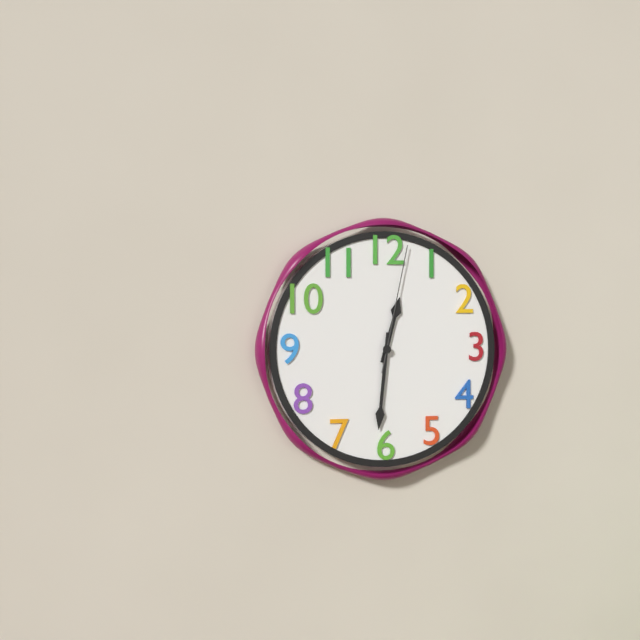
12:31:02
